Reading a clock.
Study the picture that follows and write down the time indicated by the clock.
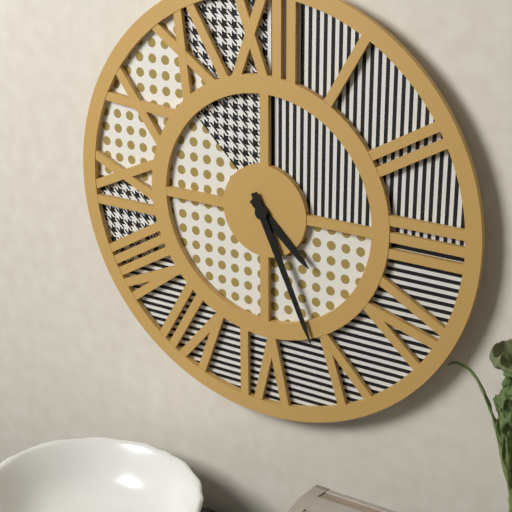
4:26
